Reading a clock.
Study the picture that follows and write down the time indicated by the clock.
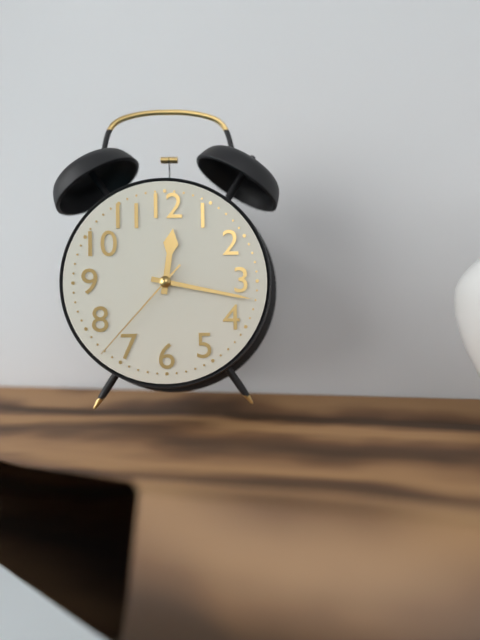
12:17:37
